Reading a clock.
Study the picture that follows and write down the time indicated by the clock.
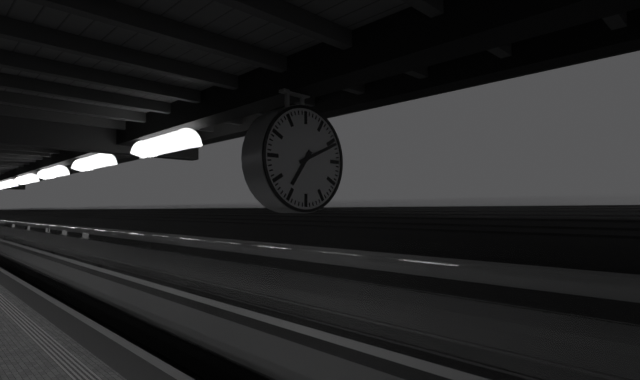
7:11
